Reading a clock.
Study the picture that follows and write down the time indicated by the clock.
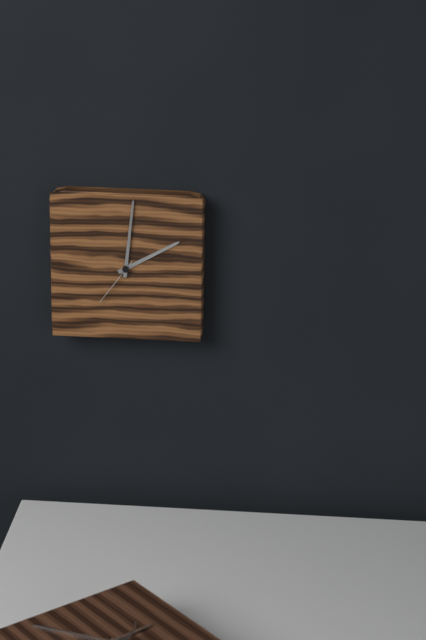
2:01:36
